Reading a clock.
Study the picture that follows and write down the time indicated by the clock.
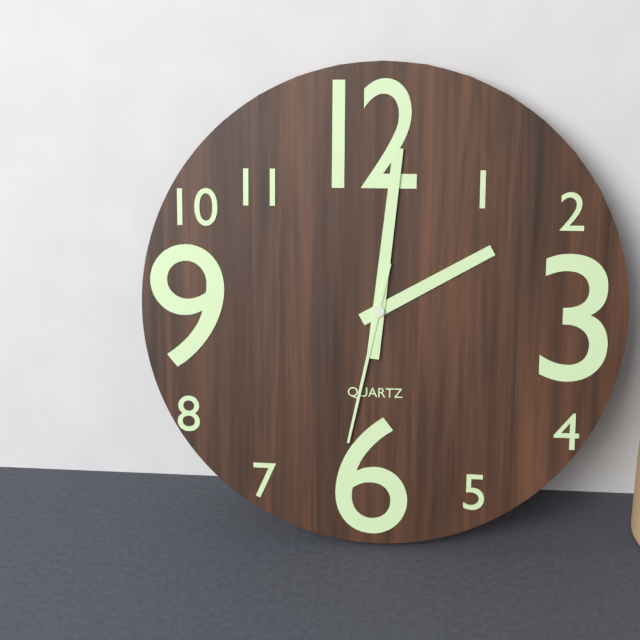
2:01:32
